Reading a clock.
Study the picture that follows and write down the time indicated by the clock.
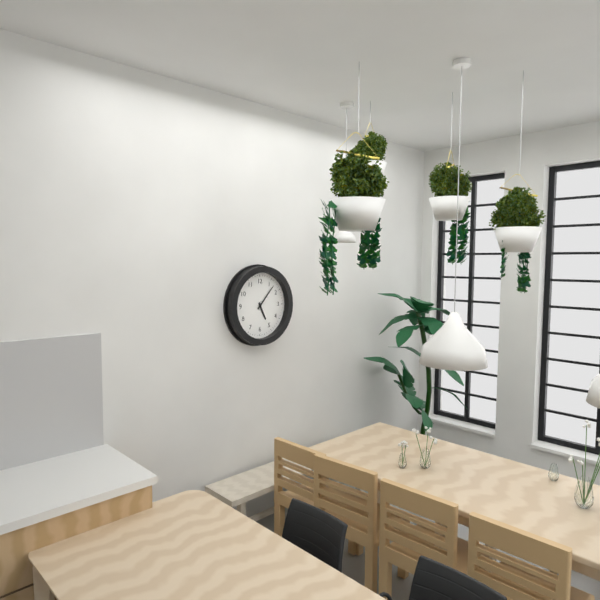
5:07
